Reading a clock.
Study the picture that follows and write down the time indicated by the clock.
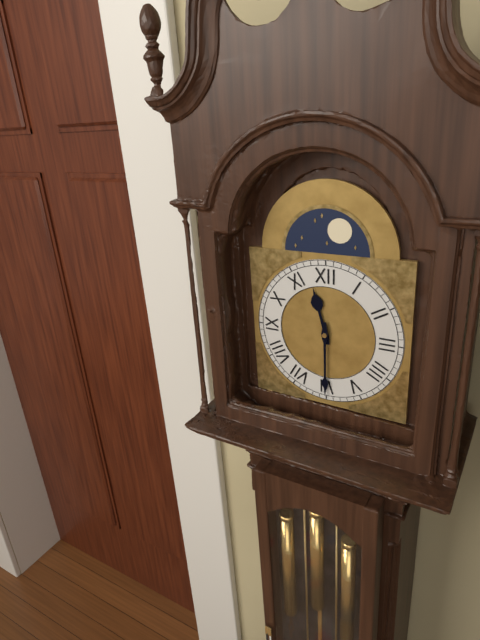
11:30
